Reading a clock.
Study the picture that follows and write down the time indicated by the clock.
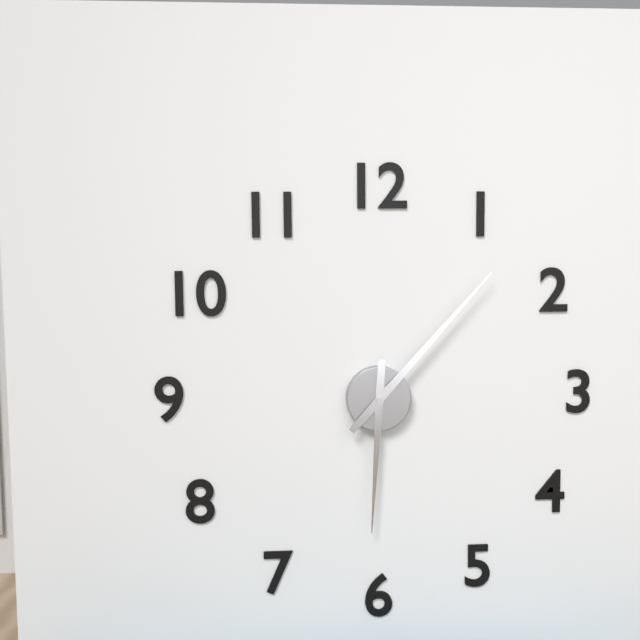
6:07
